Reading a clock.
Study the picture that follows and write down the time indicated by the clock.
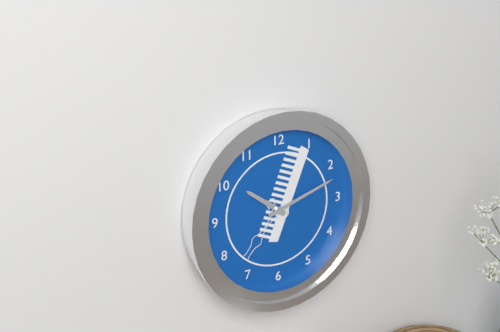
10:12
